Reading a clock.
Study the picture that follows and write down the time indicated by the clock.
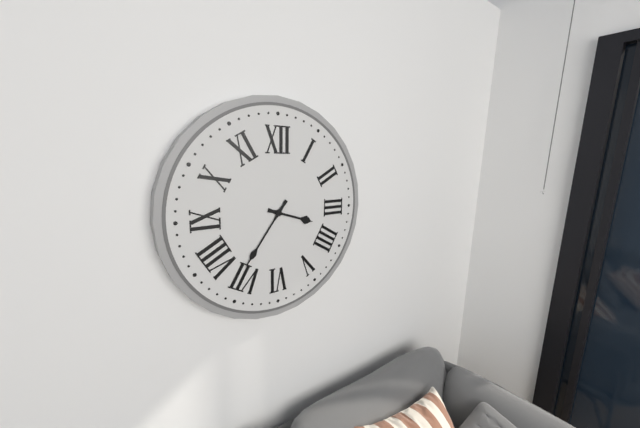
3:36
